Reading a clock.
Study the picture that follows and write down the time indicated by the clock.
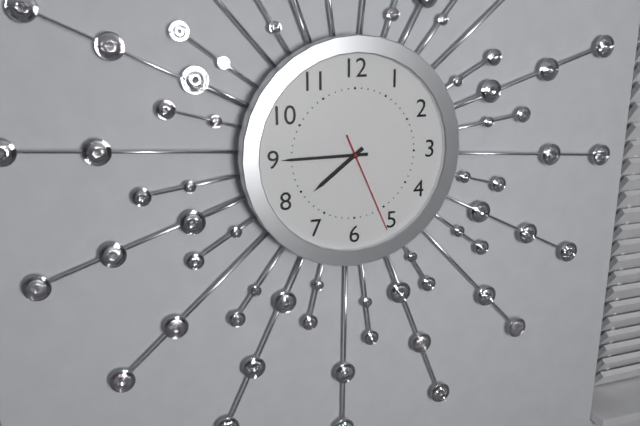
7:45:26
